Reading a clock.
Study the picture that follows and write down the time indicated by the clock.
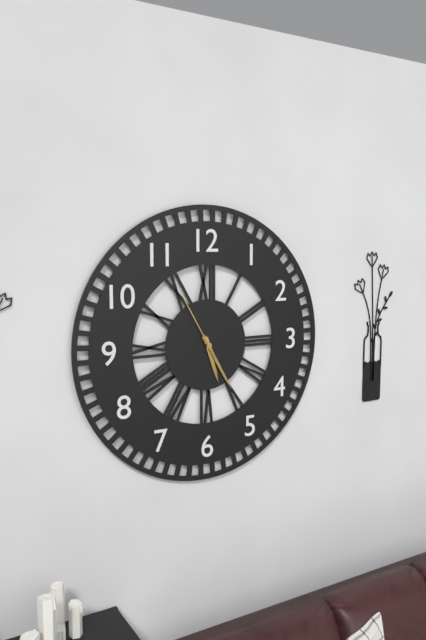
5:25:55
